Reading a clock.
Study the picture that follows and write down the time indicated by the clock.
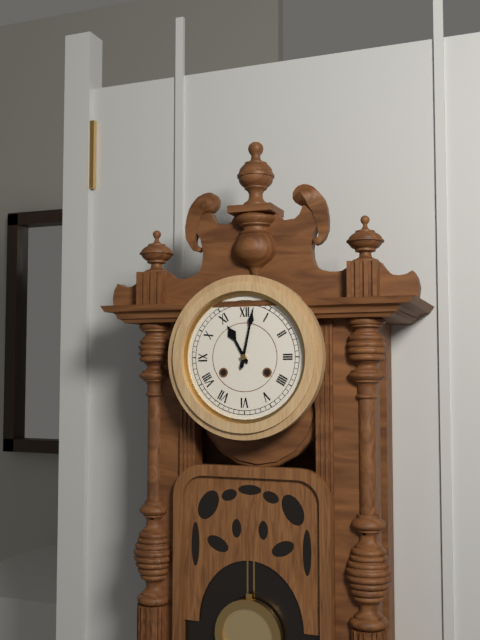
11:02
